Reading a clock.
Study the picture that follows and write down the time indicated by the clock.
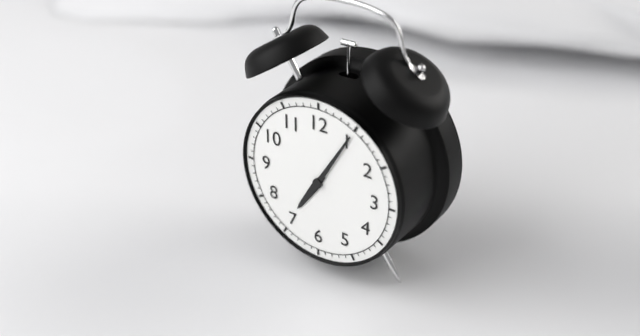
7:05
